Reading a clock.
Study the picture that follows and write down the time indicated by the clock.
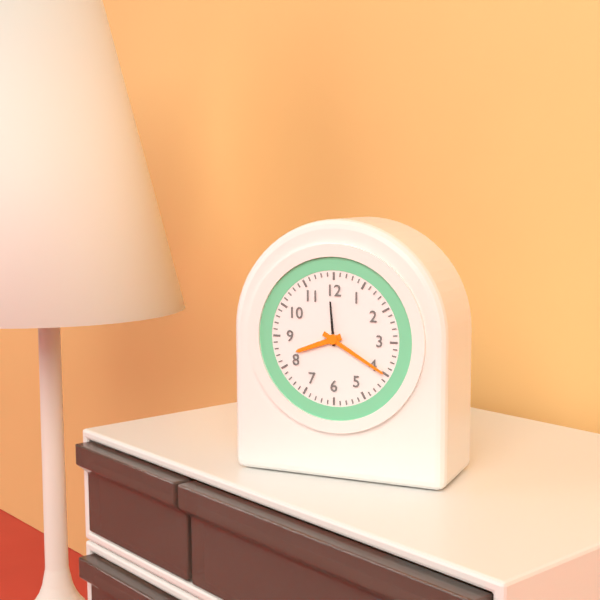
8:20
